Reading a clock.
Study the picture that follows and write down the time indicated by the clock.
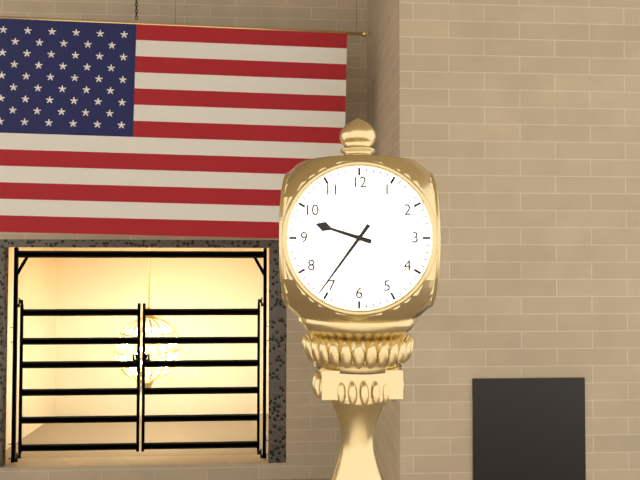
9:36
